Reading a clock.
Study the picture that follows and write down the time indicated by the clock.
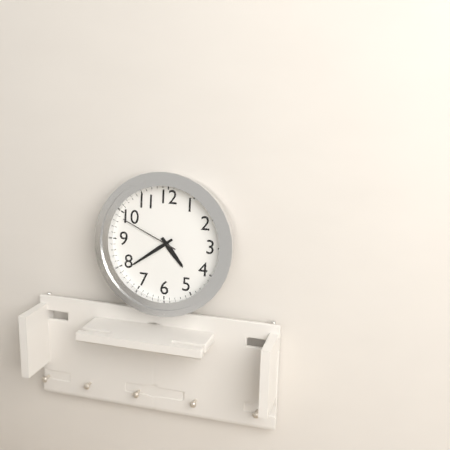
4:39:49
